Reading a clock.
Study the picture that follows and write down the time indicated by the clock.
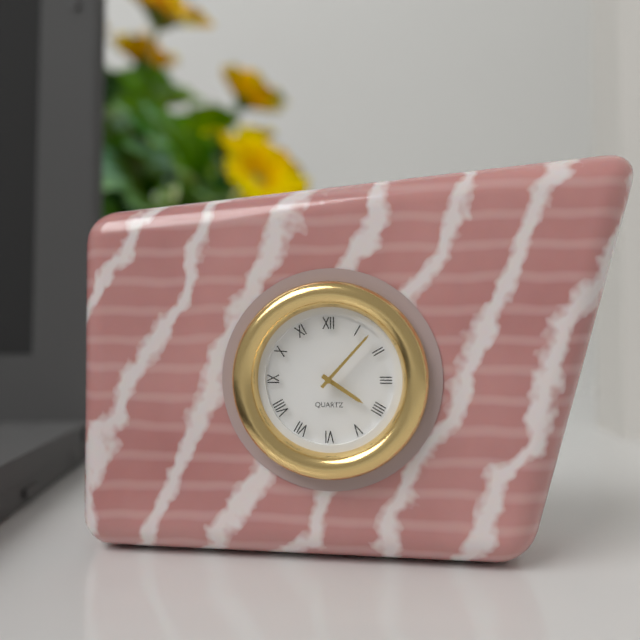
4:07
